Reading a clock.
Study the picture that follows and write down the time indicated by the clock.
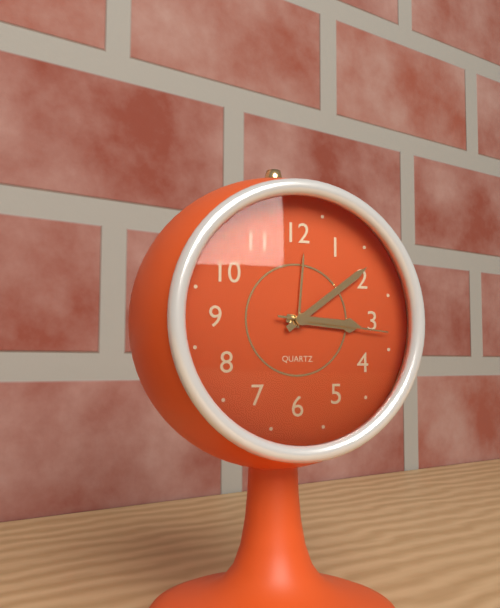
3:09:16
